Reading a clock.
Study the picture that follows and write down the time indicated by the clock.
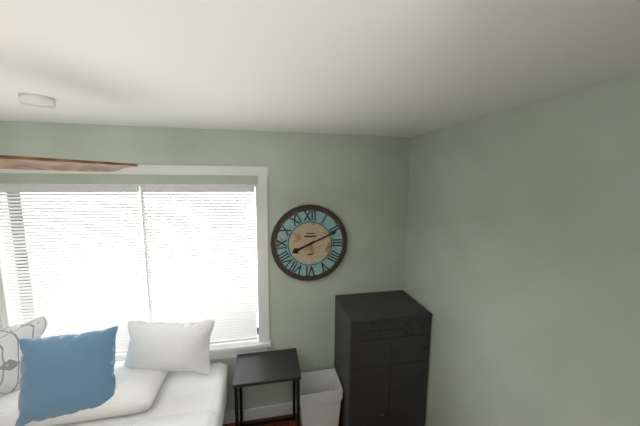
8:11
